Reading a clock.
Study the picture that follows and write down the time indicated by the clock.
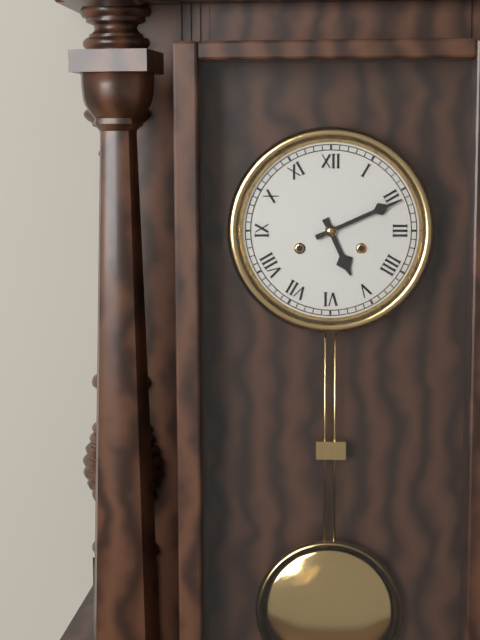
5:11
